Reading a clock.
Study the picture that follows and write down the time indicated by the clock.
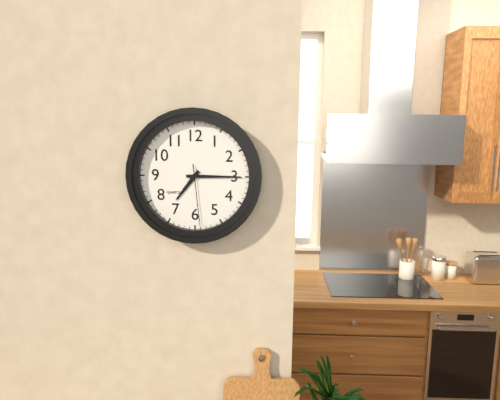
7:15:29
